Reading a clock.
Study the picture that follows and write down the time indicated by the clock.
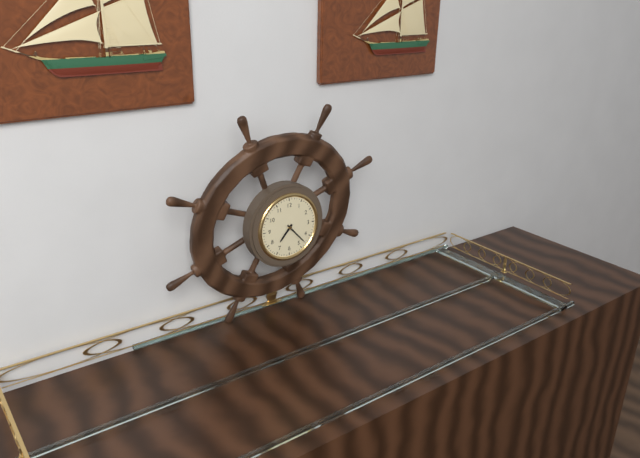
7:23
